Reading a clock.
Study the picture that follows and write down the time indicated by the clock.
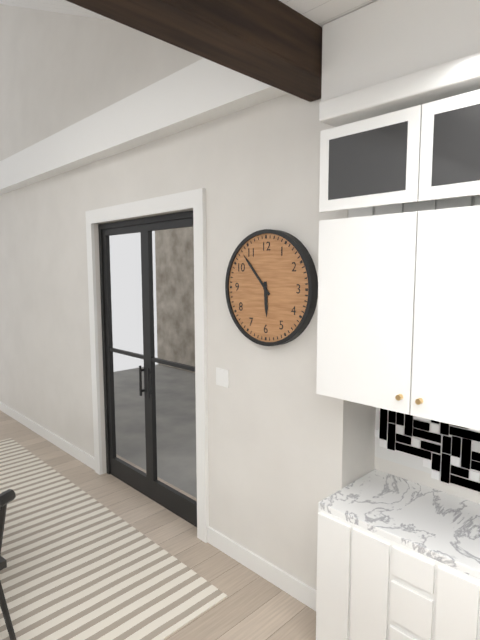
5:53
